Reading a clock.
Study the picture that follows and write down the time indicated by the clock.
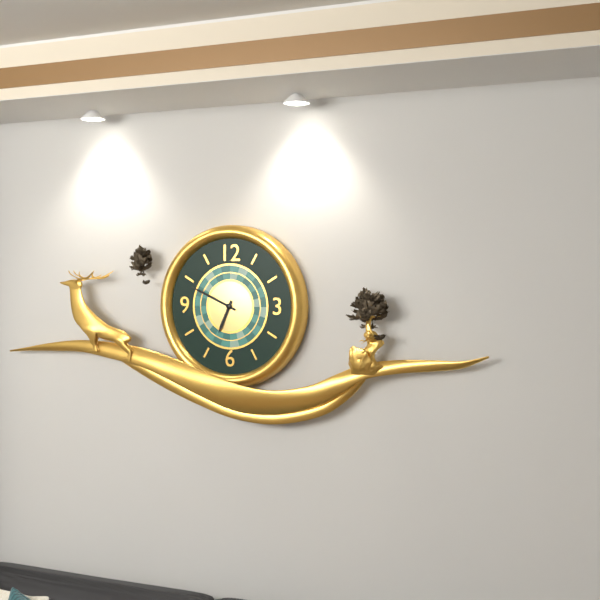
6:49
